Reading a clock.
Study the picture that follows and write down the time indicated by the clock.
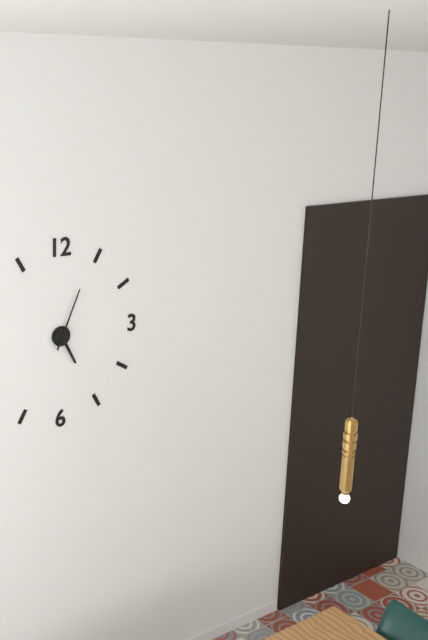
5:04
